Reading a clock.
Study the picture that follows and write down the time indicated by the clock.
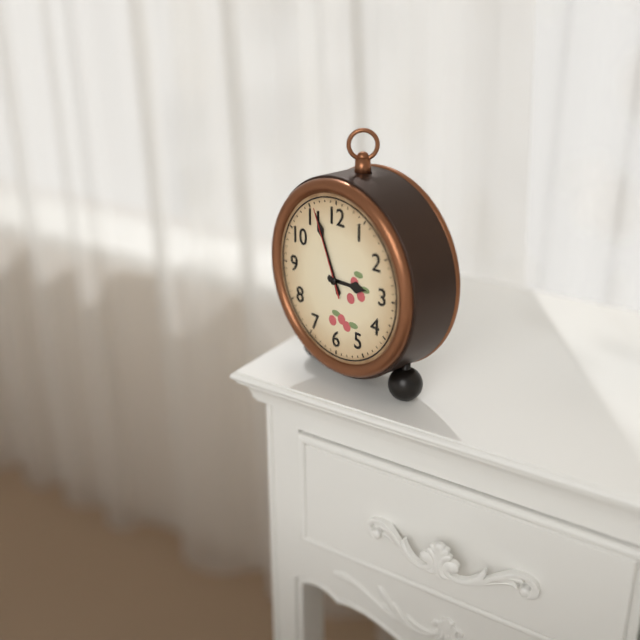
2:56:56
